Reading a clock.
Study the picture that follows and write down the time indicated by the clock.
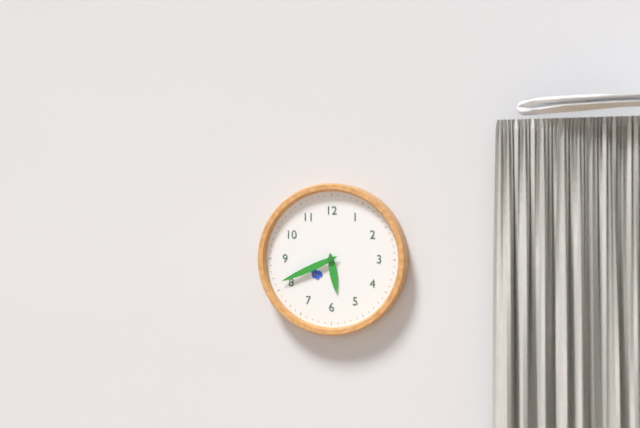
5:41
